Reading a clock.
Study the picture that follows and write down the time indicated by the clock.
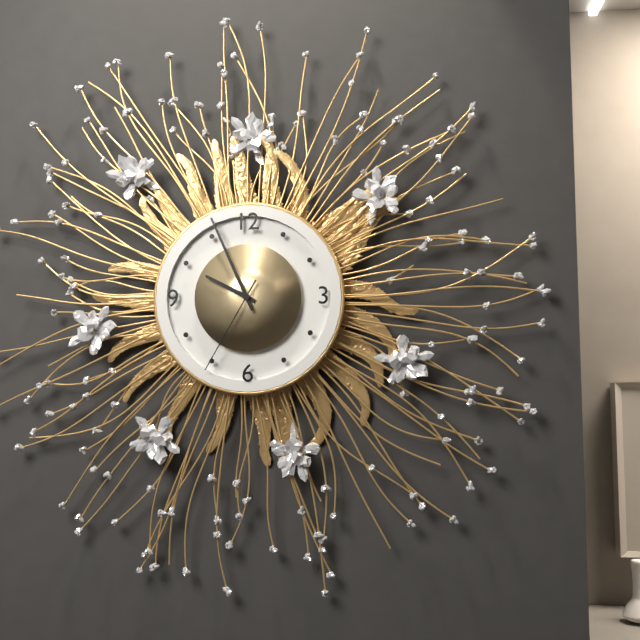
9:56:35
